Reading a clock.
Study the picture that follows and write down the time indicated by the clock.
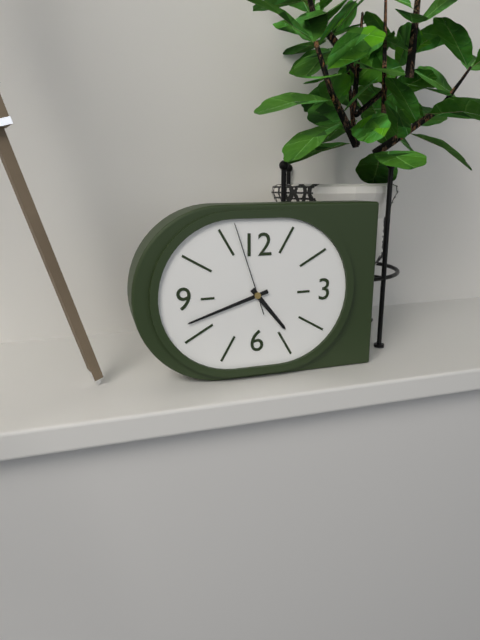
4:42:57
